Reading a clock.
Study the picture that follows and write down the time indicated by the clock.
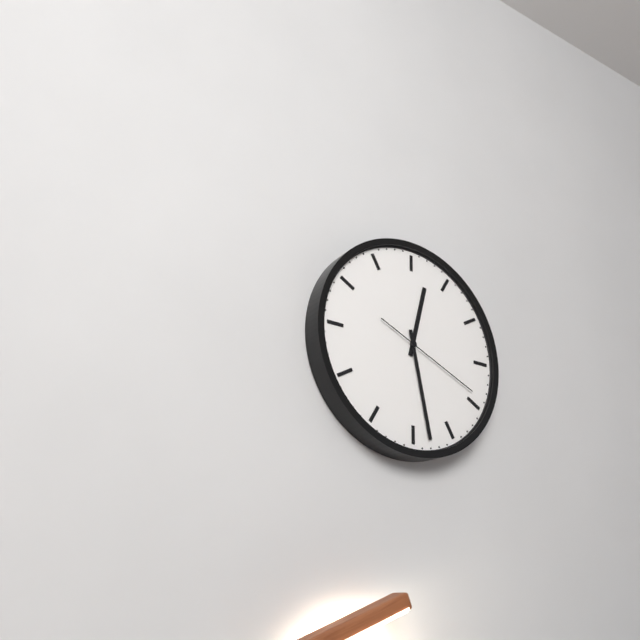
12:28:19
